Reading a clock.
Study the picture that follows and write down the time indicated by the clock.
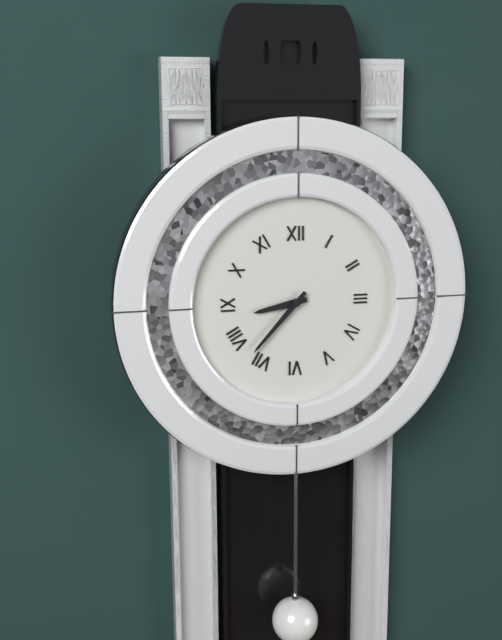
8:37
